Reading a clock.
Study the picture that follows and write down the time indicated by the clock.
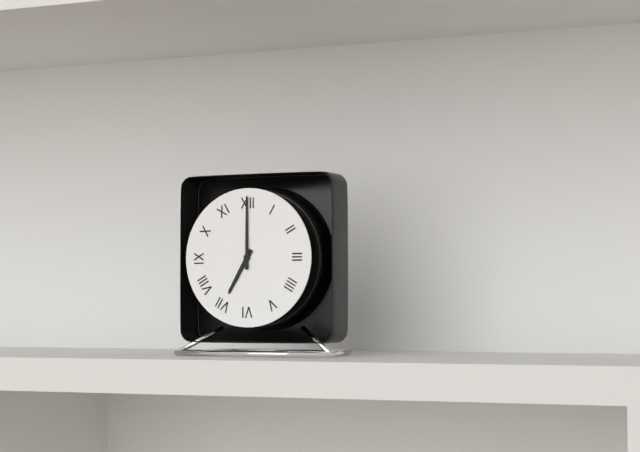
7:00
